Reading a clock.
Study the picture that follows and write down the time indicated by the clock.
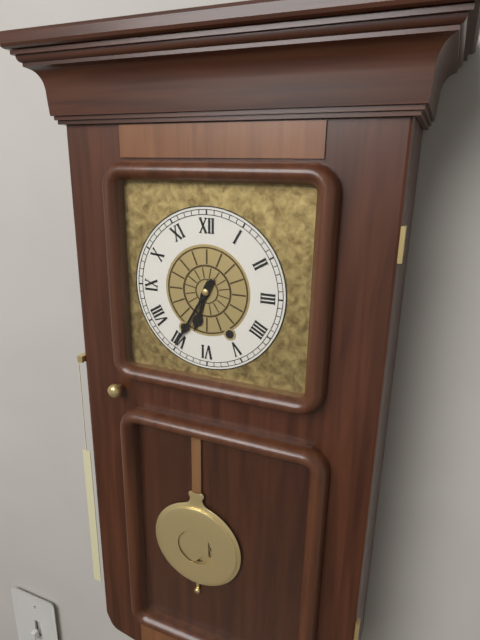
6:35
